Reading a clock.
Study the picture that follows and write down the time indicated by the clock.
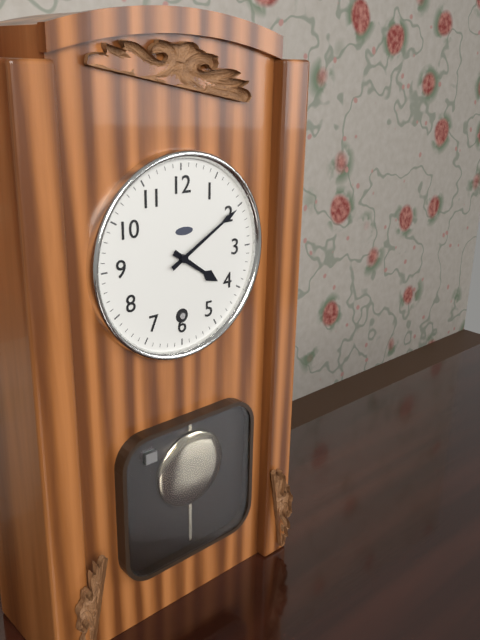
4:10
